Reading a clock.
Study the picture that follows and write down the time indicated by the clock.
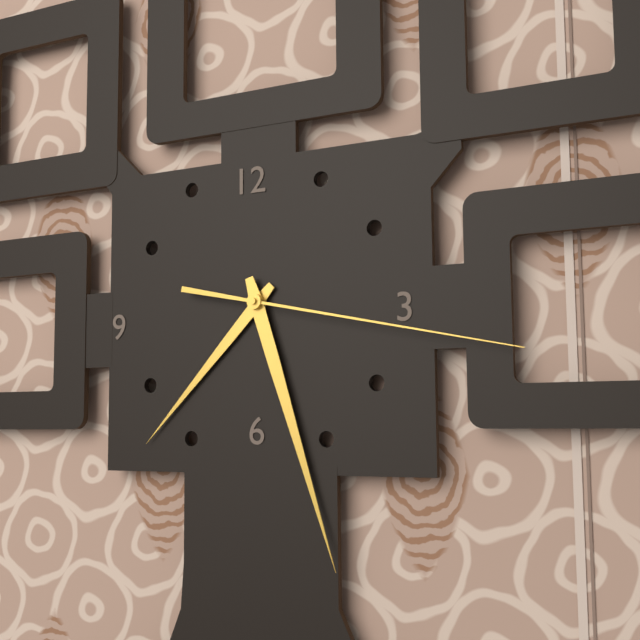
7:27:17
